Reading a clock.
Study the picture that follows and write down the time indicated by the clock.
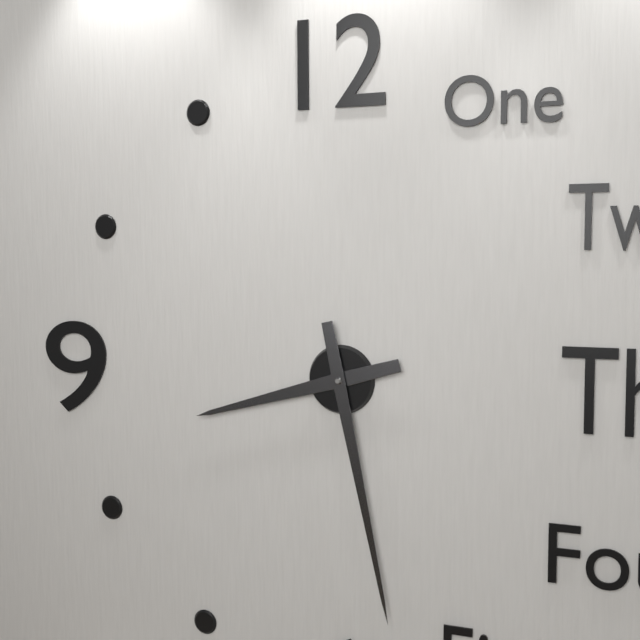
8:28
